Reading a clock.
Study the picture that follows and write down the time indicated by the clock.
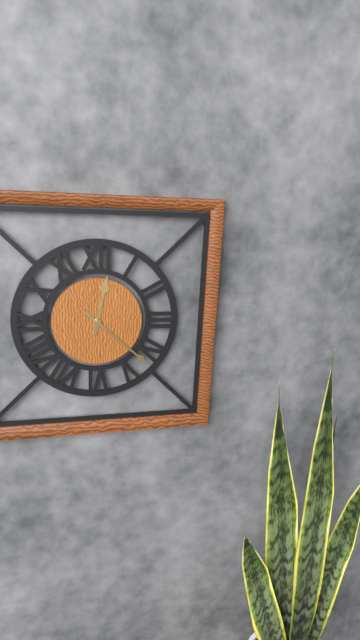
12:22
